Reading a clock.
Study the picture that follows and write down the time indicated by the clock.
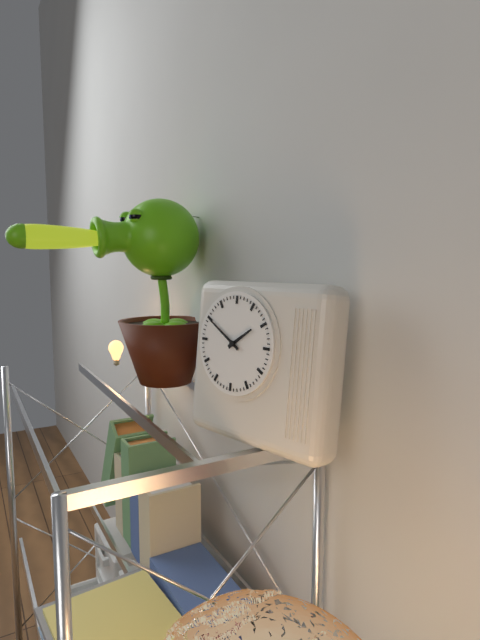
1:50
